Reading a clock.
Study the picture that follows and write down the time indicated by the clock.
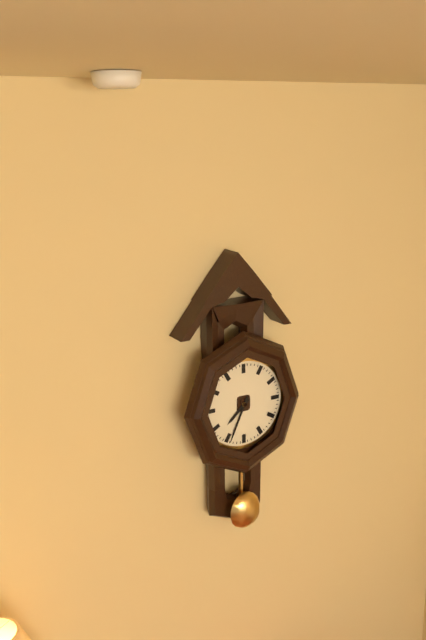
7:34
